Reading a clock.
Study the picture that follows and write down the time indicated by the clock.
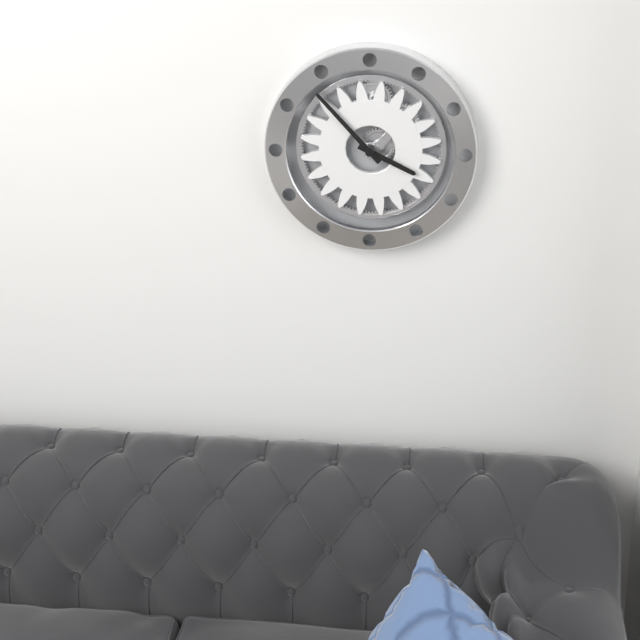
3:53
